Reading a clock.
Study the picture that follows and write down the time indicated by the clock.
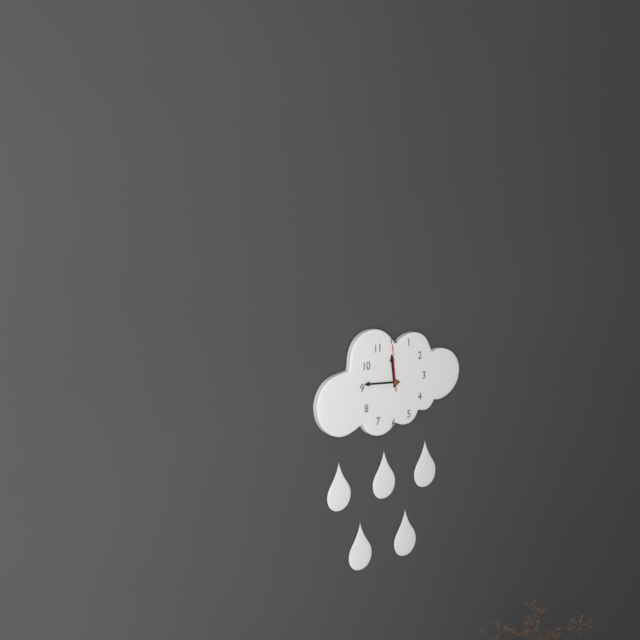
11:46
